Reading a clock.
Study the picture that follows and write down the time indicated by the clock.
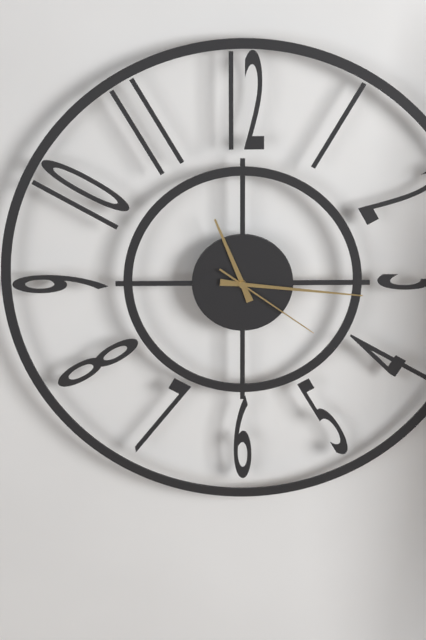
11:16:21
